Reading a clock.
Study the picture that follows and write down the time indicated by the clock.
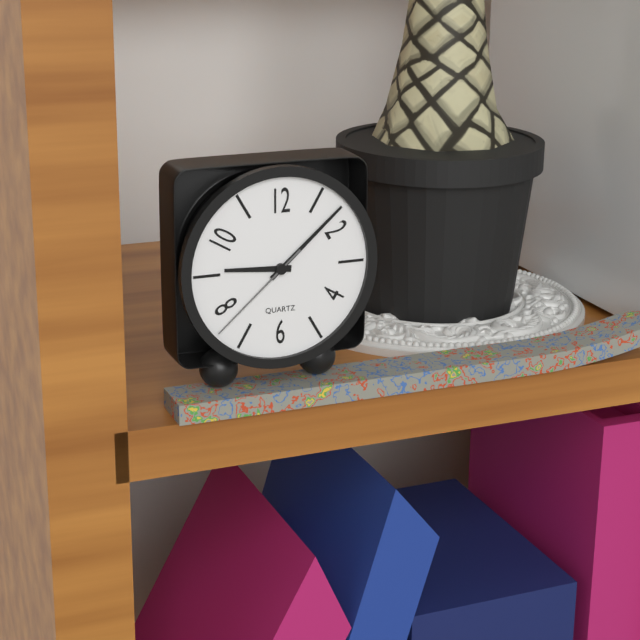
9:08:38
